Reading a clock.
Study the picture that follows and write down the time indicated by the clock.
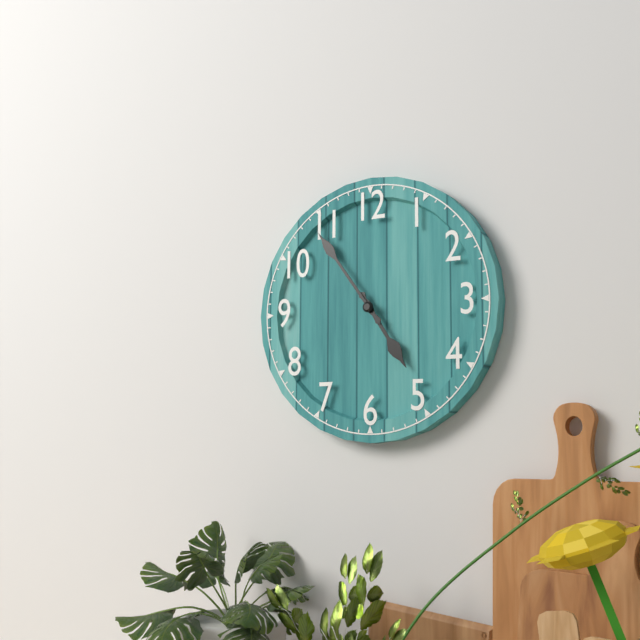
4:54
